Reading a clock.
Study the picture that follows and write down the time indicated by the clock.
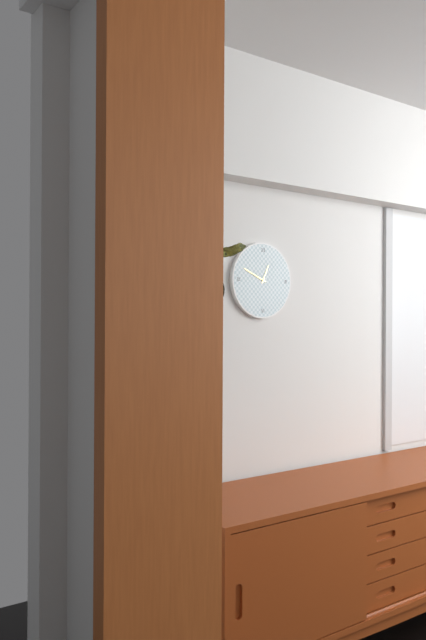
12:49
